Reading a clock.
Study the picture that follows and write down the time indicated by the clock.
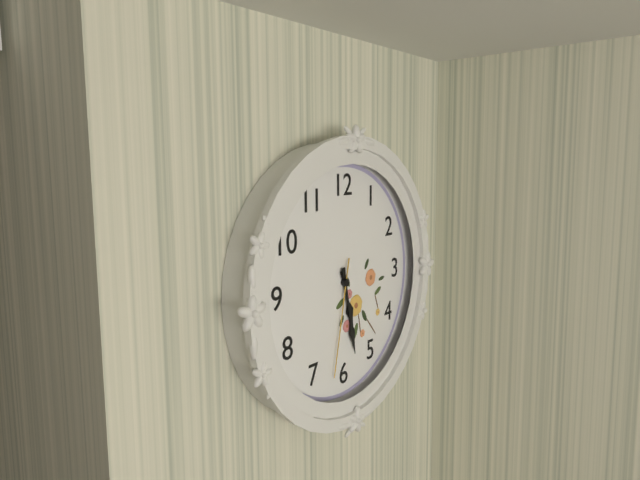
5:28:32
